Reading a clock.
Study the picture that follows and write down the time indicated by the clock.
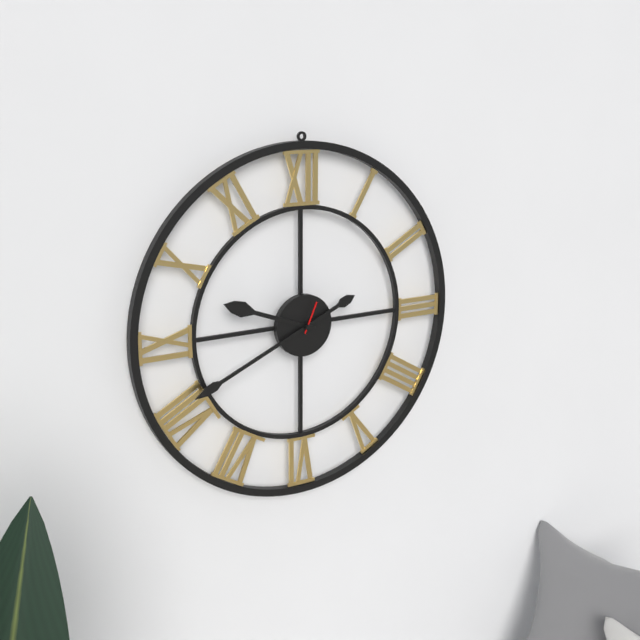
9:41
